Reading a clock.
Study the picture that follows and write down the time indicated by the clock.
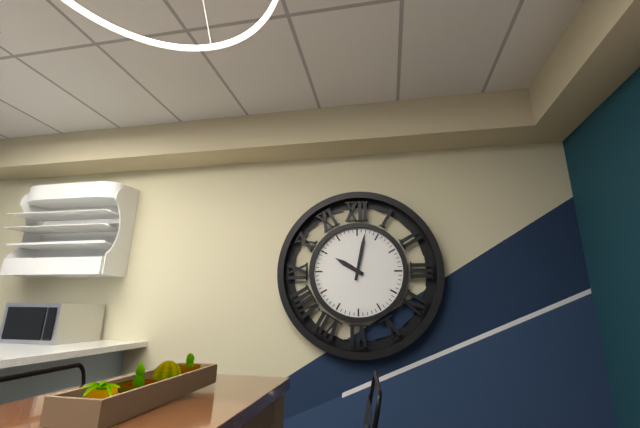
10:02
